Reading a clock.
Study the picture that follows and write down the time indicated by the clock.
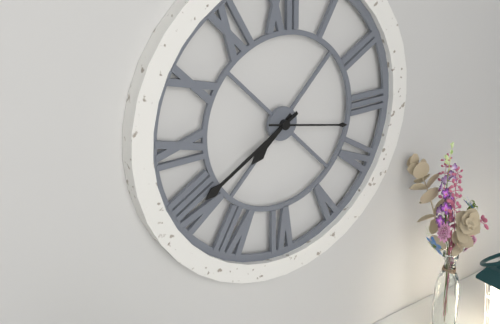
7:40:17
